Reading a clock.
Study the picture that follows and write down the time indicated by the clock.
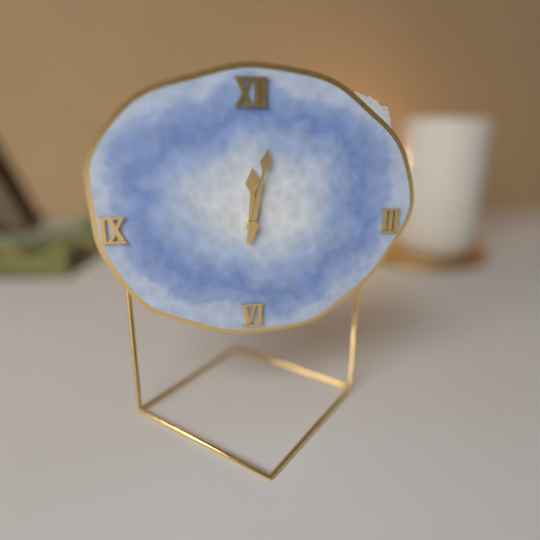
12:02
